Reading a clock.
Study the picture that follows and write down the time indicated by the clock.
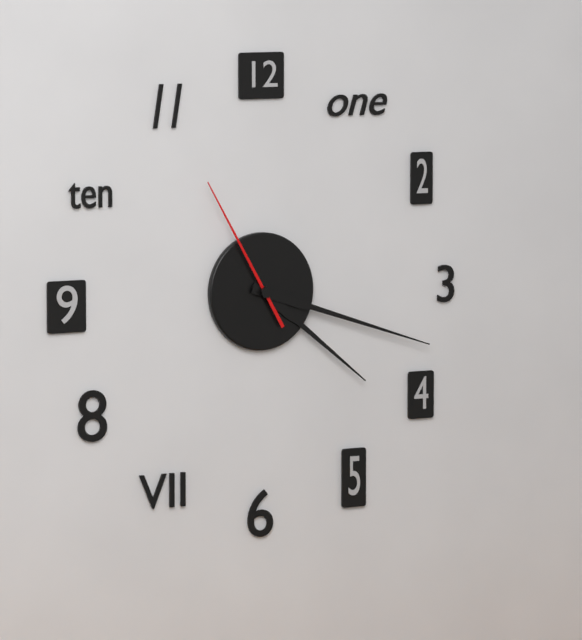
4:18:55
